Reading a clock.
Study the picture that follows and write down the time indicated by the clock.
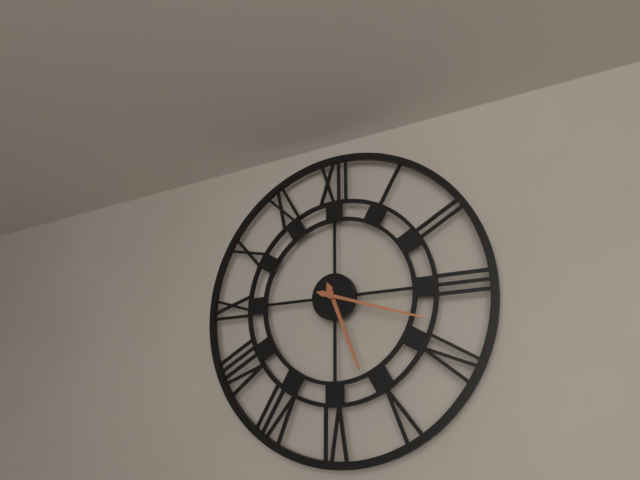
5:18
